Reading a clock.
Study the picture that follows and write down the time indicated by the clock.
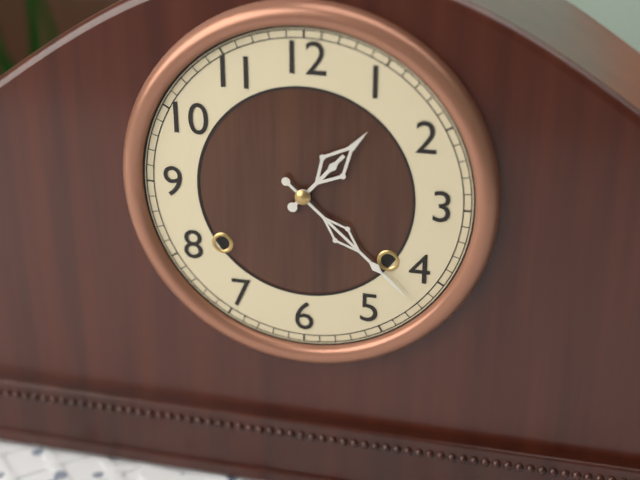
1:22
